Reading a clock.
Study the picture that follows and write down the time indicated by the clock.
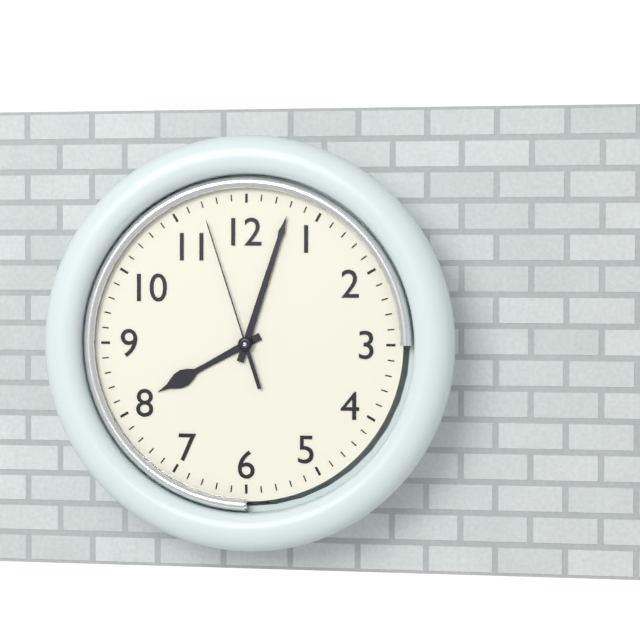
8:03:57
